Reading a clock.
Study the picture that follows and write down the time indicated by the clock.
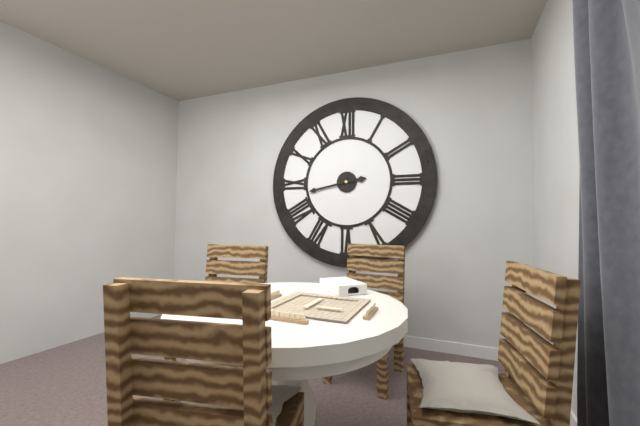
2:43
